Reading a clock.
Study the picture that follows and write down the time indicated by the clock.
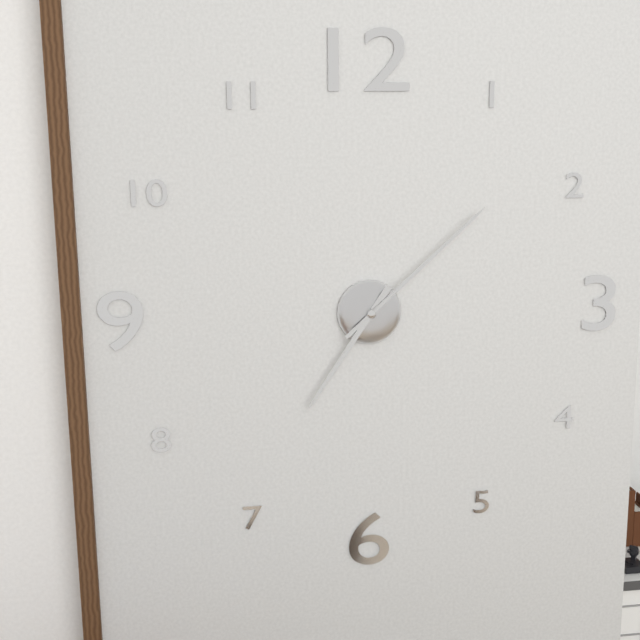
7:08
